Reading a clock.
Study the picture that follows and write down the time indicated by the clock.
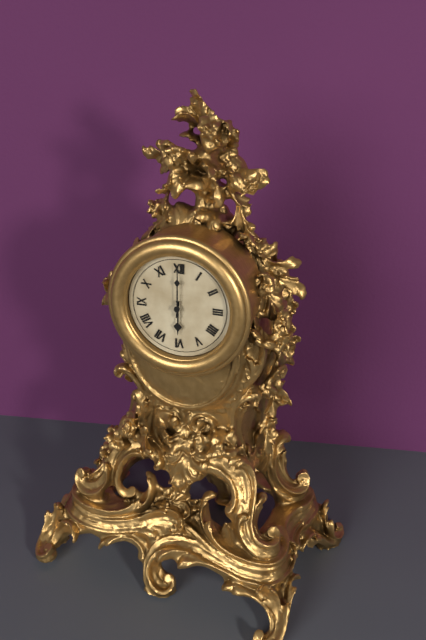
6:00
